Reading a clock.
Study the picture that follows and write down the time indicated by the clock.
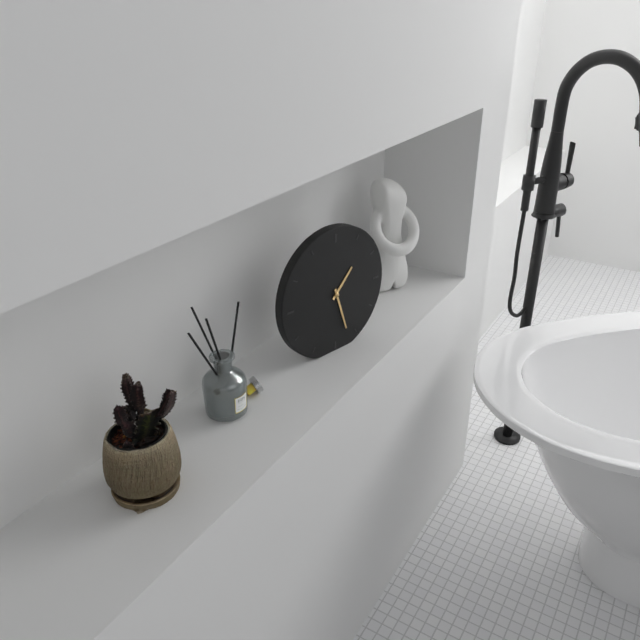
1:27
